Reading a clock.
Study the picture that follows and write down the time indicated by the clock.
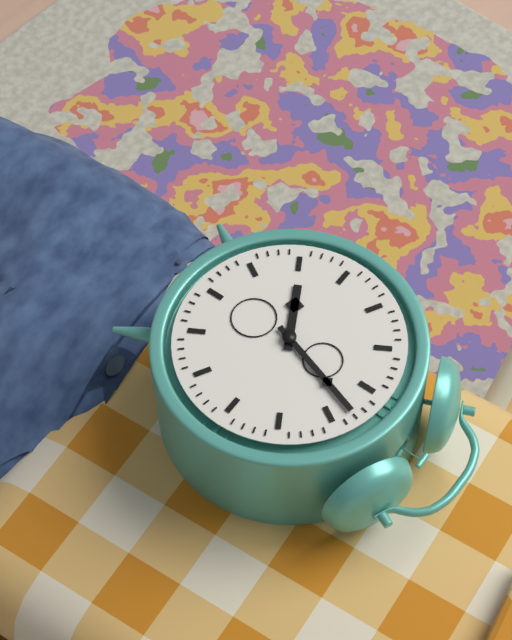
8:03
